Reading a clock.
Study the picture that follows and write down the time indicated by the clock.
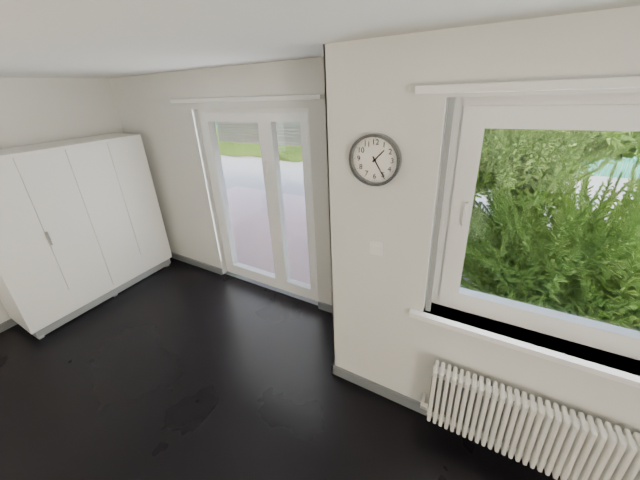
1:25
